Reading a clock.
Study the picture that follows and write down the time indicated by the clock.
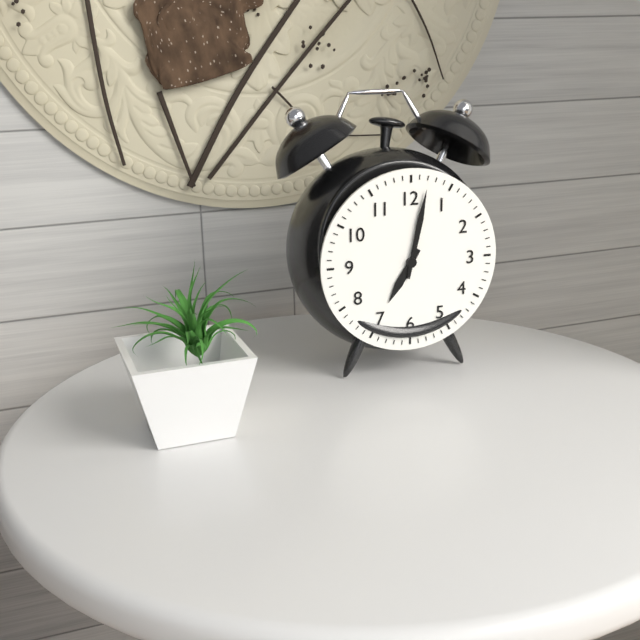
7:02
